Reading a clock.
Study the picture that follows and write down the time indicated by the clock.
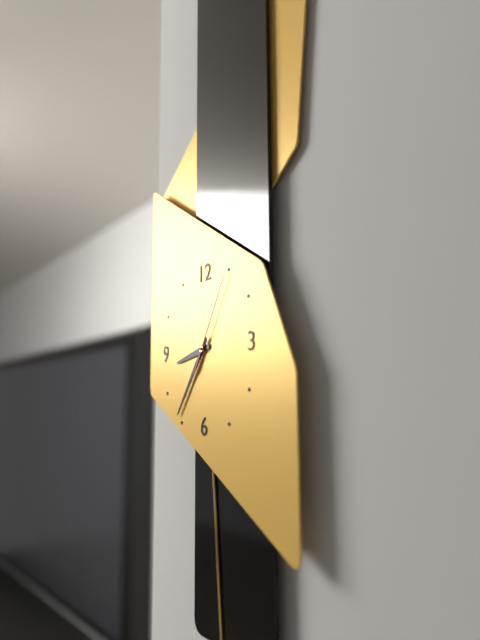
8:36:05
